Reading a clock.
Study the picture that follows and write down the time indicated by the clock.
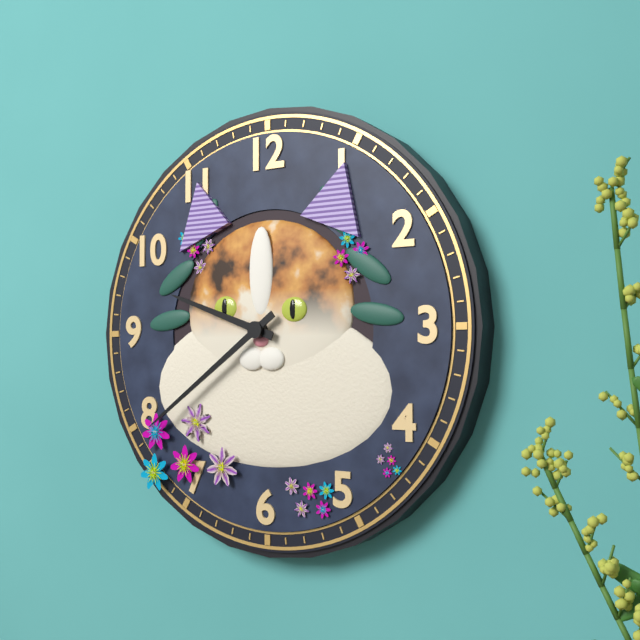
9:39
